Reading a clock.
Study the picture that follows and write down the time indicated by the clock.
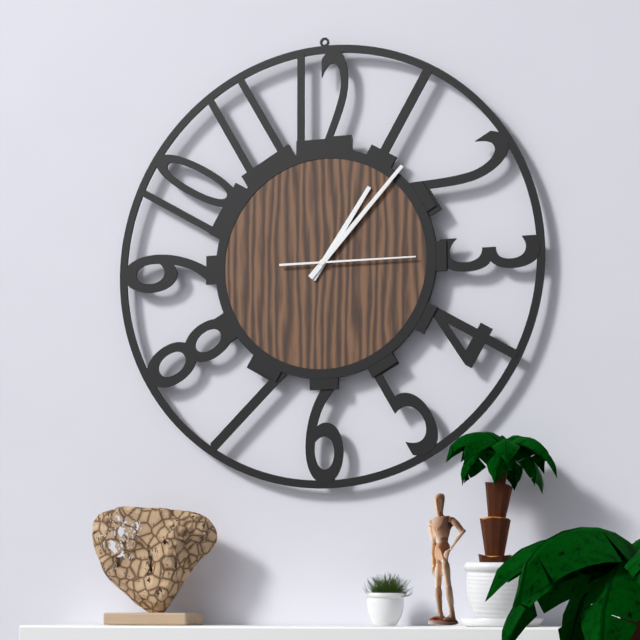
1:07:15
